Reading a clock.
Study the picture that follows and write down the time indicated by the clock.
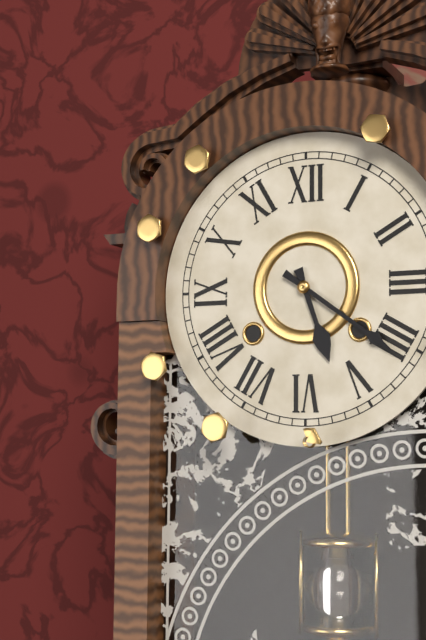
5:21
